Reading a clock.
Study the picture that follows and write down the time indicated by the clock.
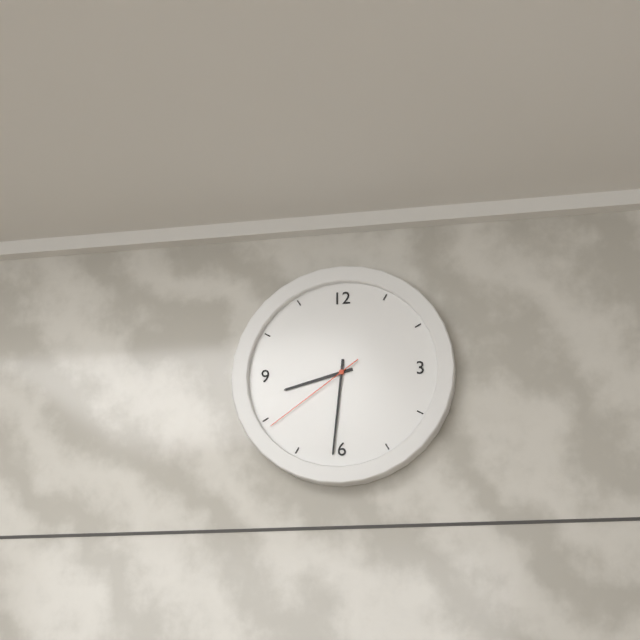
8:31:39
